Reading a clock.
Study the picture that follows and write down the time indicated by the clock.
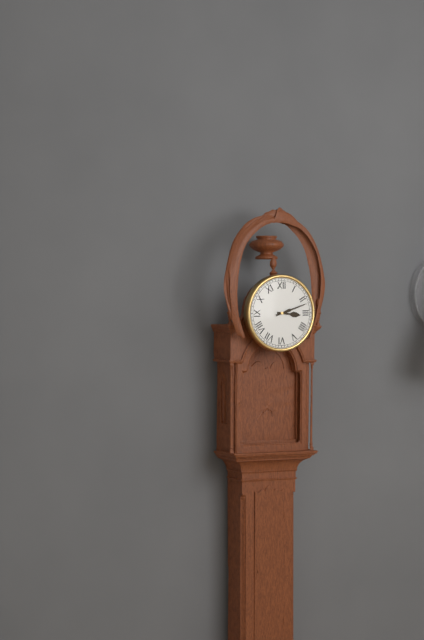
3:12
